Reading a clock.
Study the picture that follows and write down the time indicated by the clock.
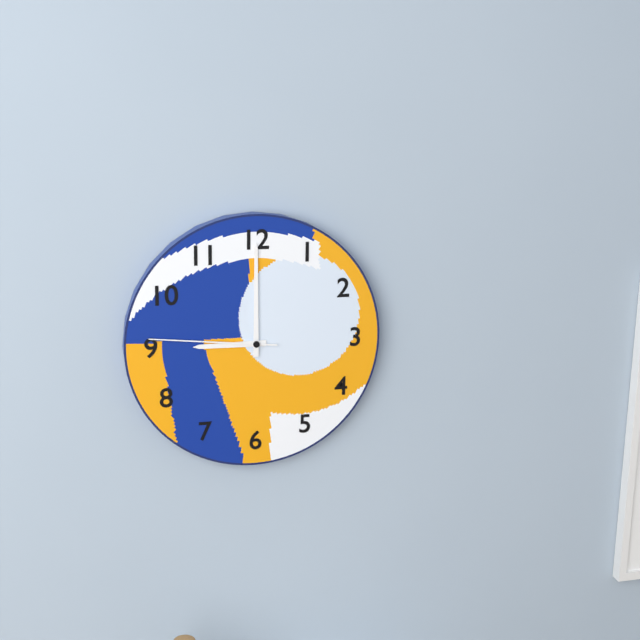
9:00:46
